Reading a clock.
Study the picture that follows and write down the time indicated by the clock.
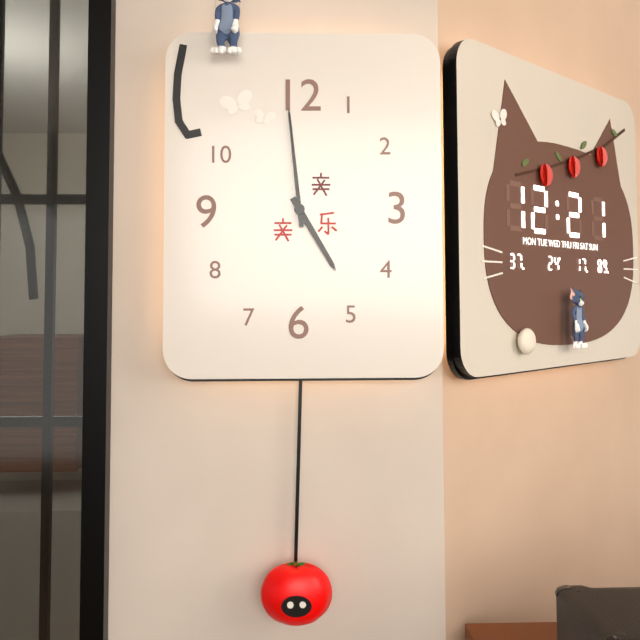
4:59
